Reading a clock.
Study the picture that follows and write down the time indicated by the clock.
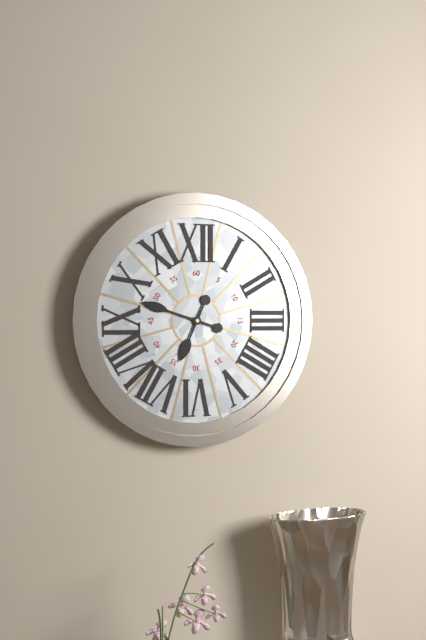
6:48
